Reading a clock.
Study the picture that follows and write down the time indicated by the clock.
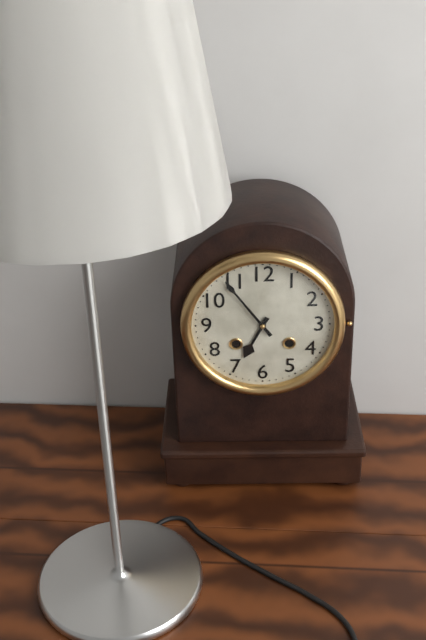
6:54
